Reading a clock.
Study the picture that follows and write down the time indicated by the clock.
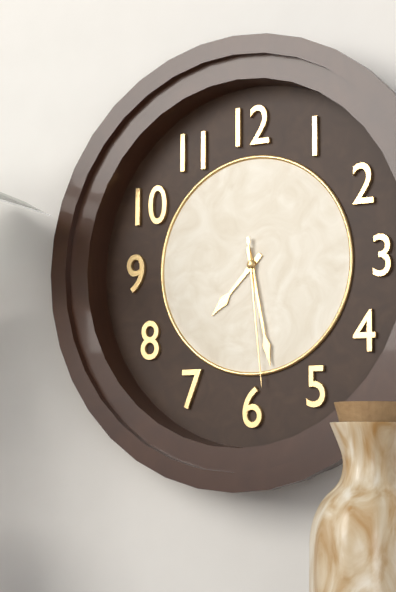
7:28:29
